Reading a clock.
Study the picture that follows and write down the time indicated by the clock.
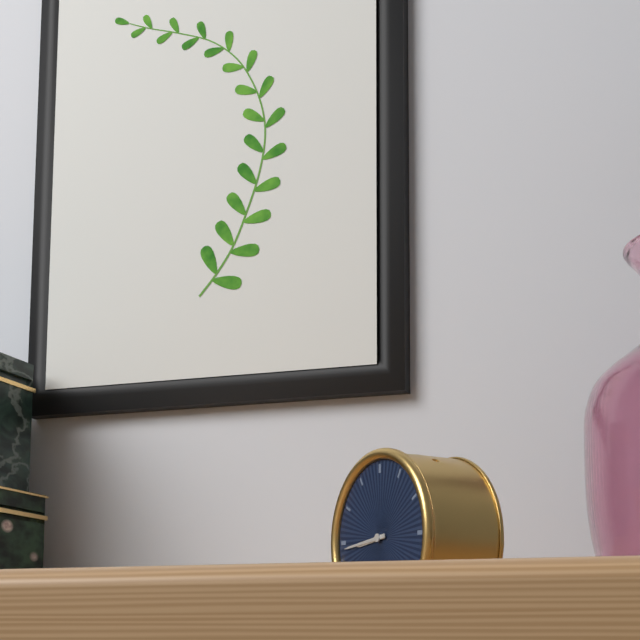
8:44
